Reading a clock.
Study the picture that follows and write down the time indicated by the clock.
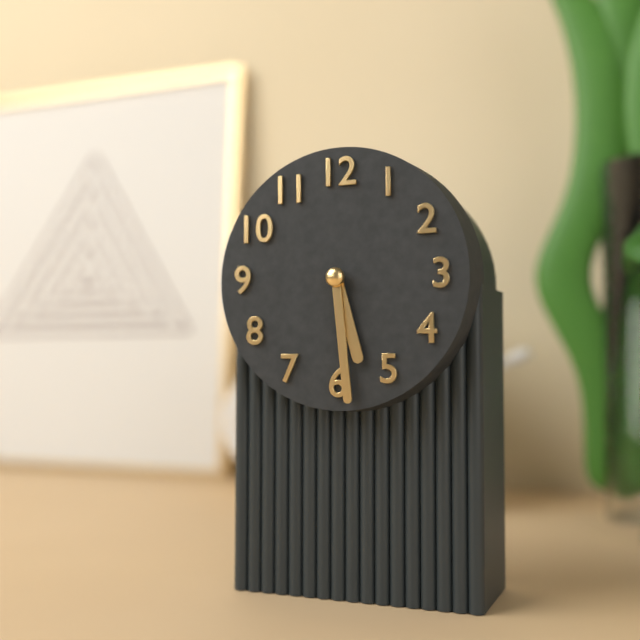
5:29
